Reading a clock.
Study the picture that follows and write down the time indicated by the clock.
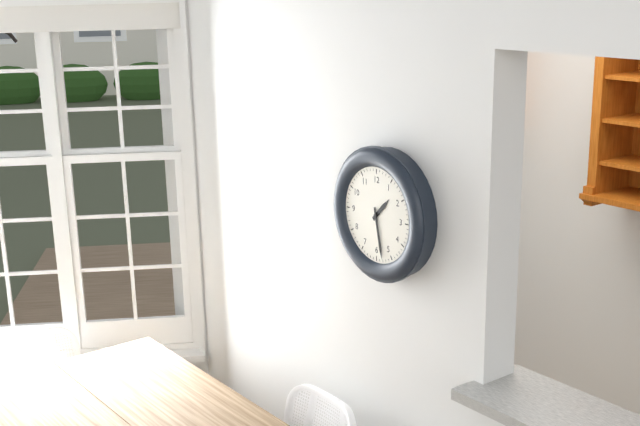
1:28
